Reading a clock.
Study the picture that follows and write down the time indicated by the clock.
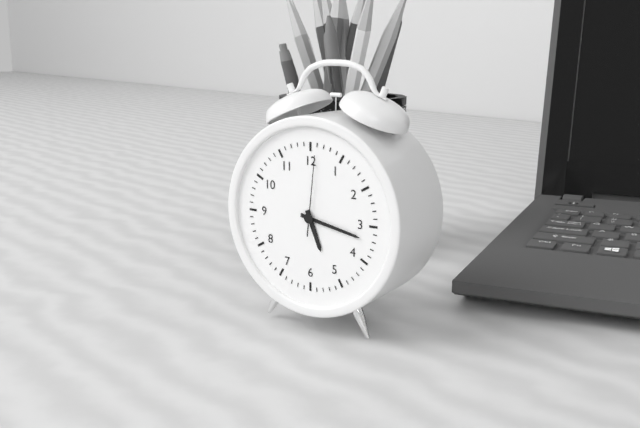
5:17:01
